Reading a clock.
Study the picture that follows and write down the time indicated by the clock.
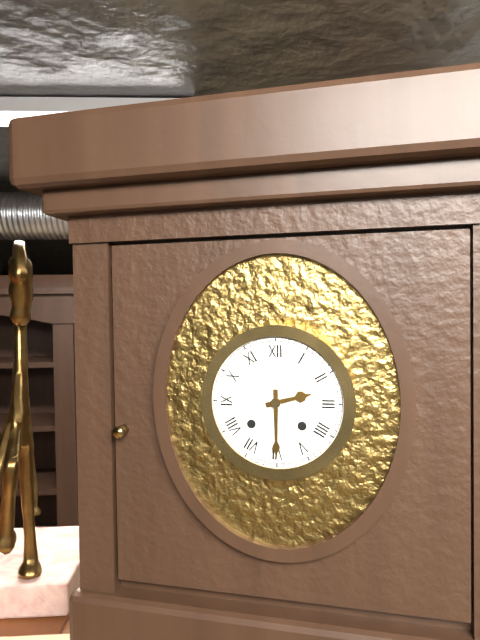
2:30
